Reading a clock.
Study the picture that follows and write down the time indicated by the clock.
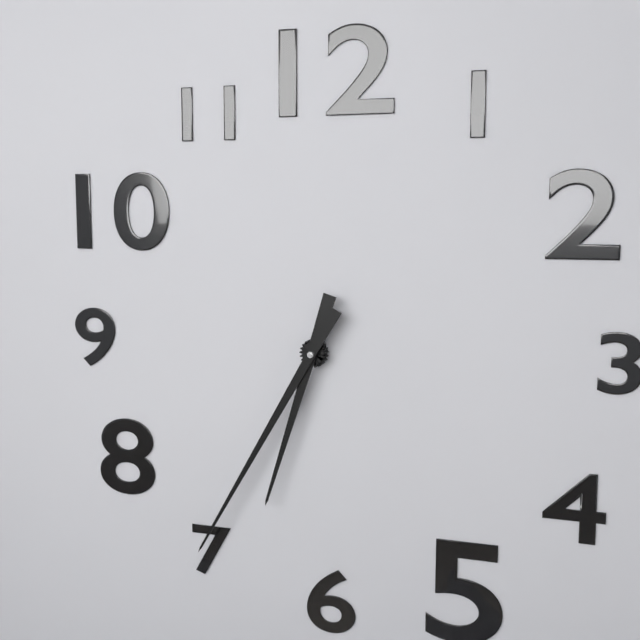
6:35
